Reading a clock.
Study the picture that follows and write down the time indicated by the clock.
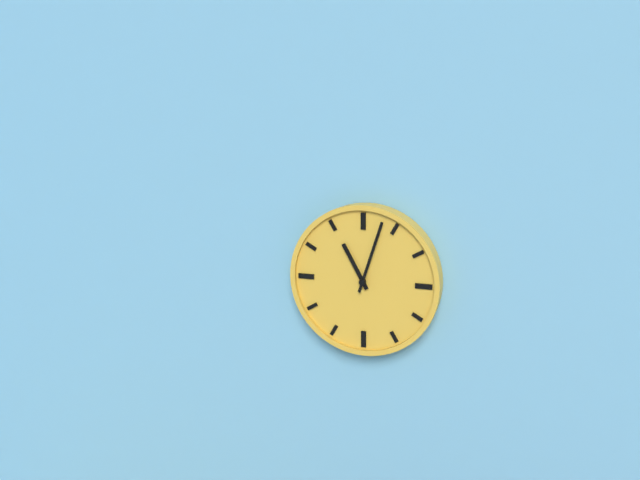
11:03
